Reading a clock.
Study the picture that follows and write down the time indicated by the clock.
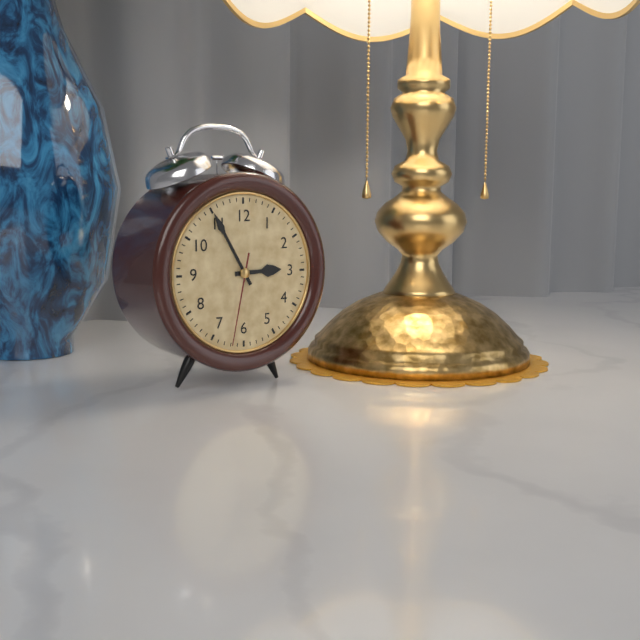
2:55:32
